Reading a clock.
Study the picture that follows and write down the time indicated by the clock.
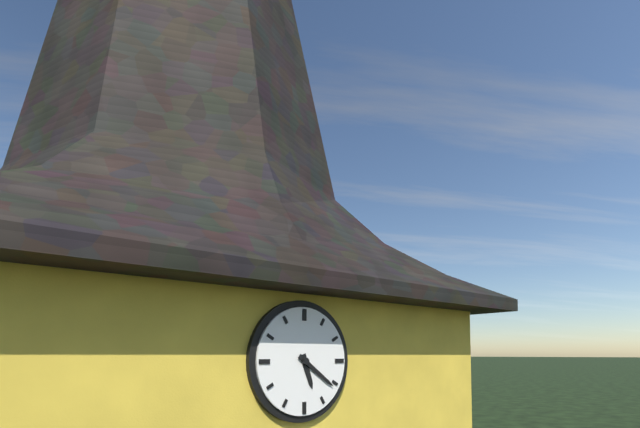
5:21
